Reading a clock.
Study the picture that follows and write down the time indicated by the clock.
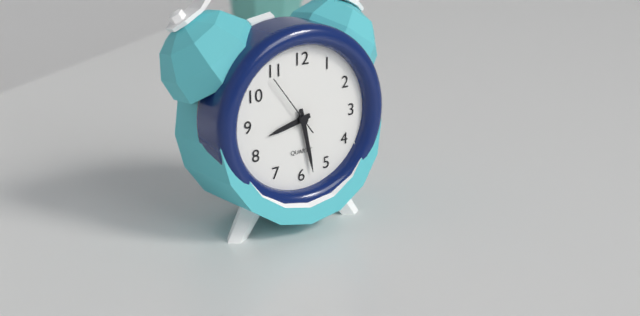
8:28:54
